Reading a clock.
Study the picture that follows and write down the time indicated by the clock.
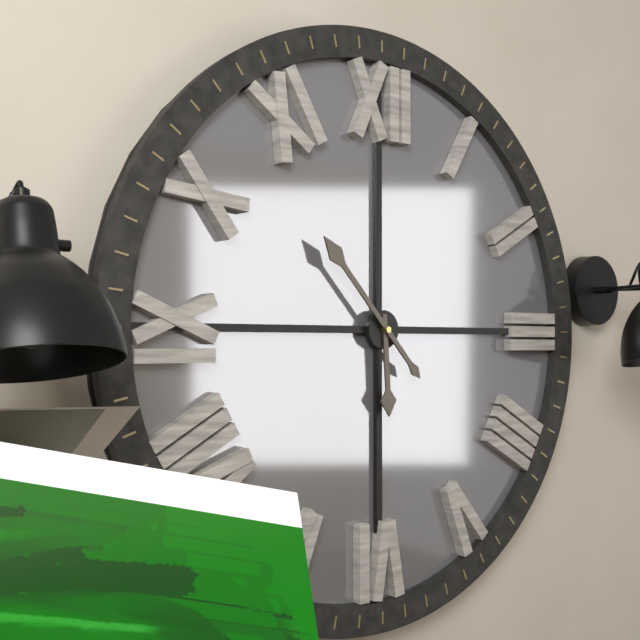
5:53
